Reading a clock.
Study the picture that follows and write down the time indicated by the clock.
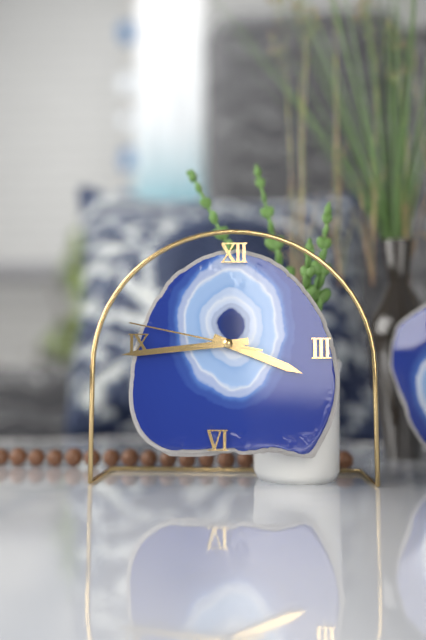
3:44:47
